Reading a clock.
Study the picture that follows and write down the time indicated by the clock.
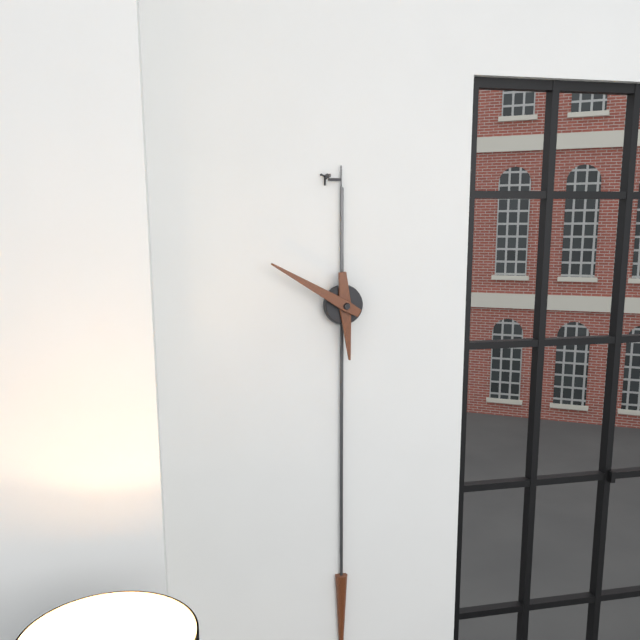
5:50
